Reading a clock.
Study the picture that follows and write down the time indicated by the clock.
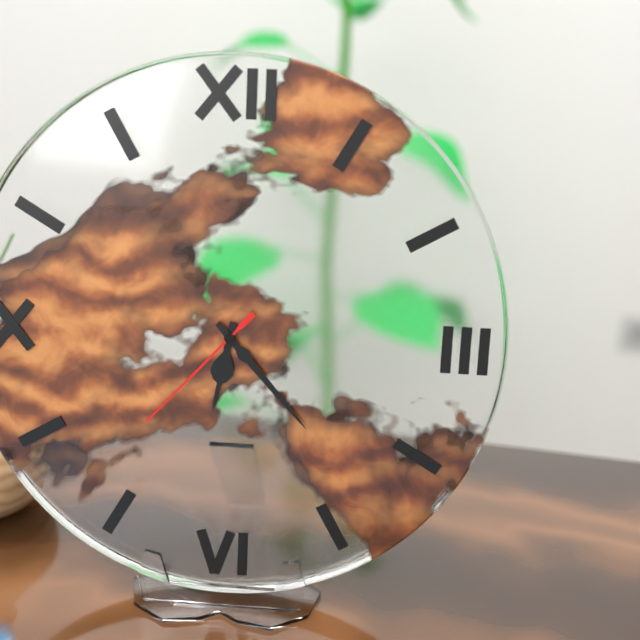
6:23:37
